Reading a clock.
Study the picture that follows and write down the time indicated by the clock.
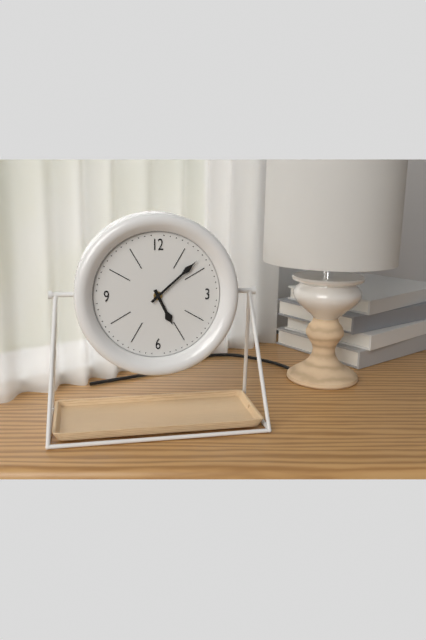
5:08
